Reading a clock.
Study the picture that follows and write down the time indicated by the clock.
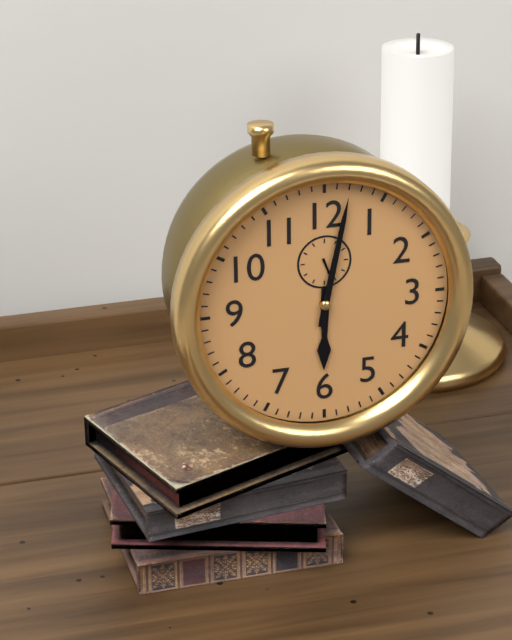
6:02
